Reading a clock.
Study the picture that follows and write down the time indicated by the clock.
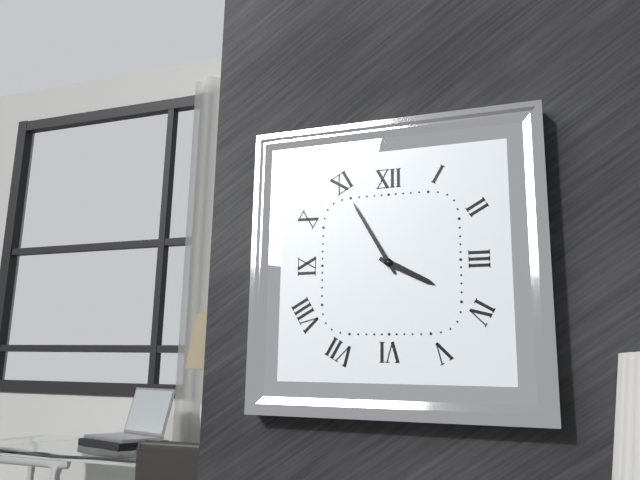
3:55
